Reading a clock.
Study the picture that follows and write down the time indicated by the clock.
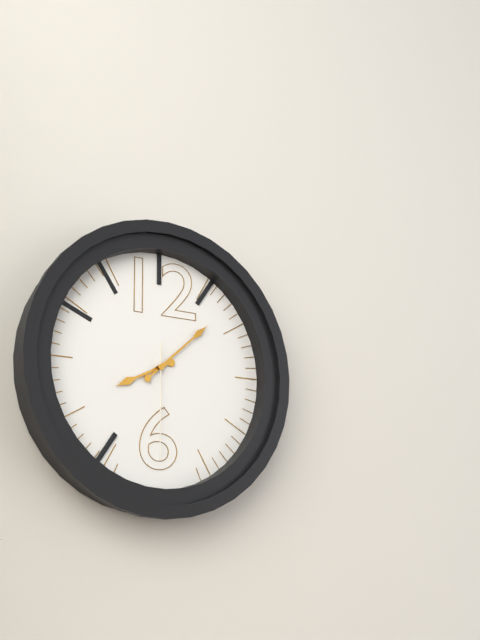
8:08:30
